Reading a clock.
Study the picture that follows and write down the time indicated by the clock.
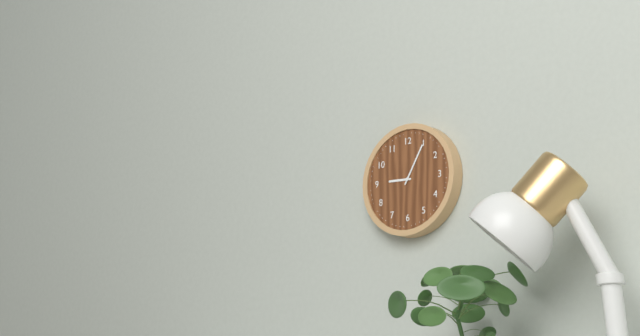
9:05
